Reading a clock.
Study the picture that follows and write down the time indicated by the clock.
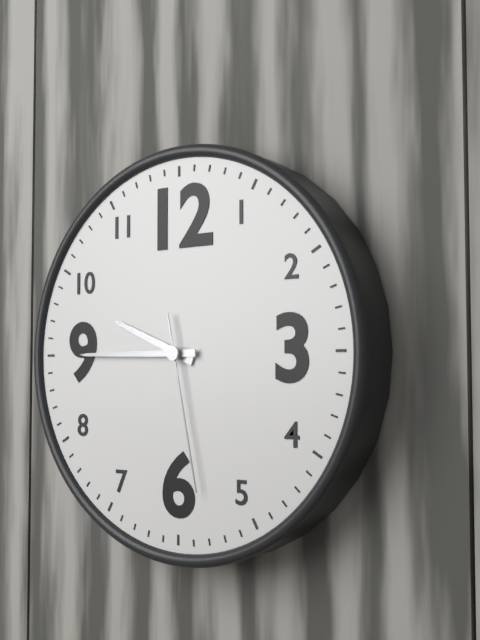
9:45:28
